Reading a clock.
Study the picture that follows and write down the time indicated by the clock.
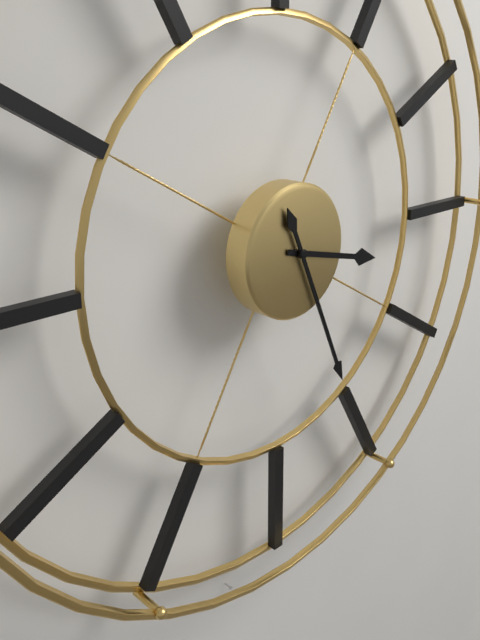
3:26
